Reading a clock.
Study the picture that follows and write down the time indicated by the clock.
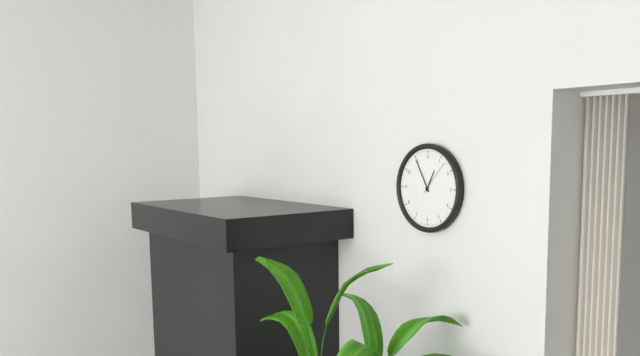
12:55
